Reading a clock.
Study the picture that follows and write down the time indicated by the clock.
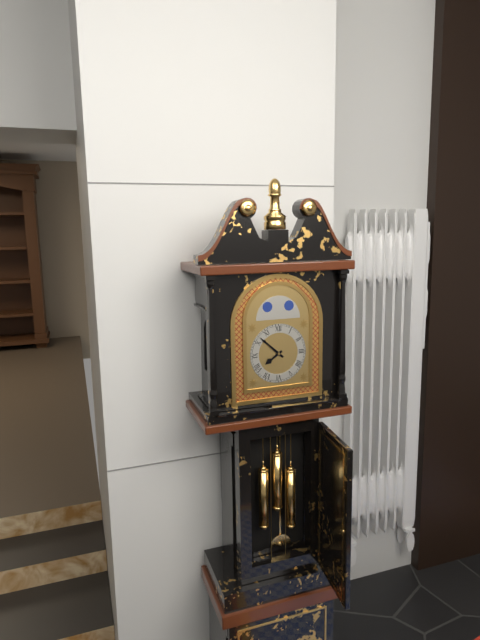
7:52
